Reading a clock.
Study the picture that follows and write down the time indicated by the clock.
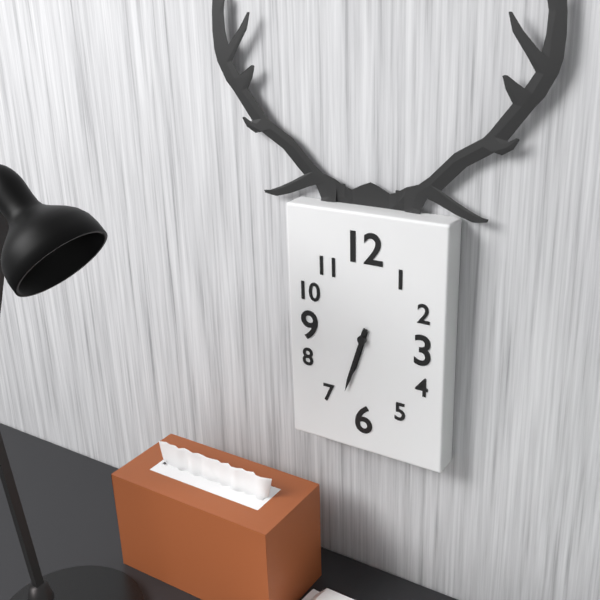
6:33
